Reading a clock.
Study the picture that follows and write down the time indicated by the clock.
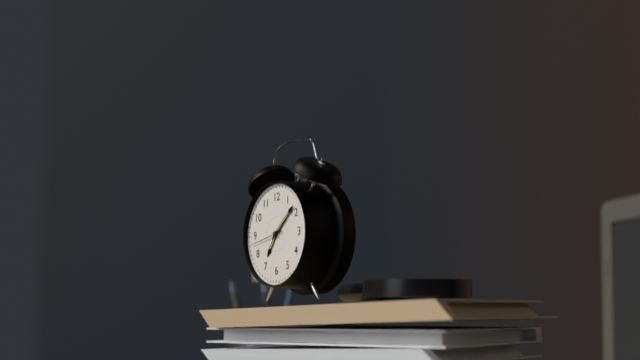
7:08
